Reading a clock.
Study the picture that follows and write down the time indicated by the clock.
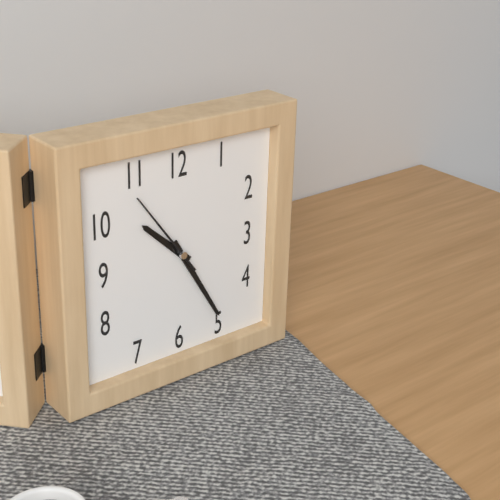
10:25:54
